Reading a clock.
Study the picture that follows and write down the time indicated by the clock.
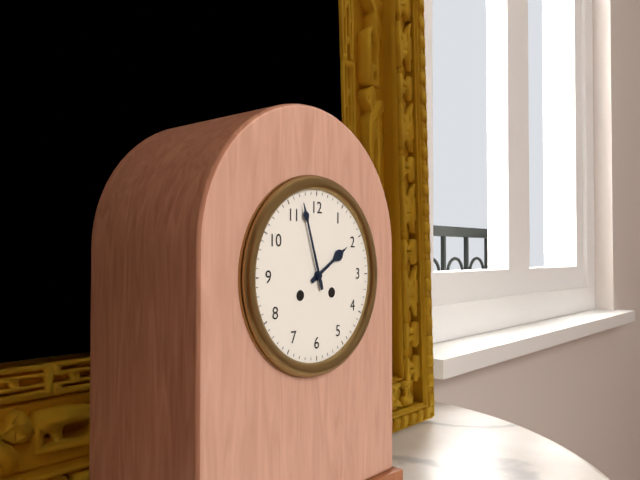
1:57
